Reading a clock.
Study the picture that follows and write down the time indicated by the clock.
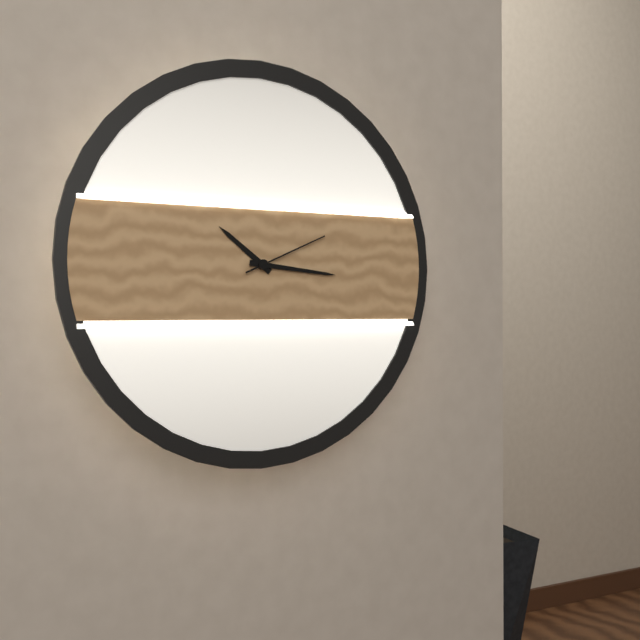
10:16:11
